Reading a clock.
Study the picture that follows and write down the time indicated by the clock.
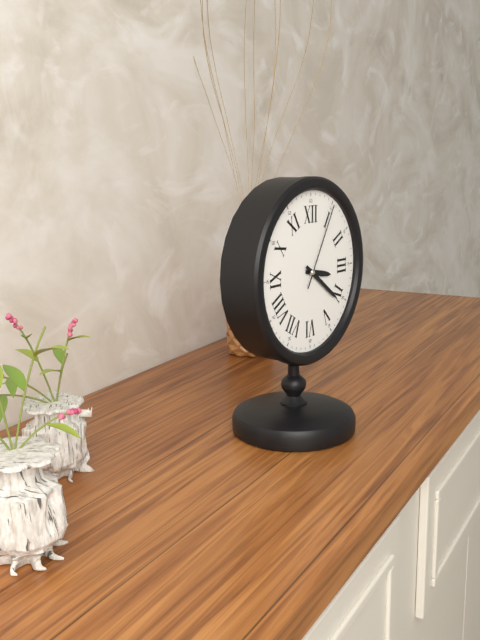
3:21:05
